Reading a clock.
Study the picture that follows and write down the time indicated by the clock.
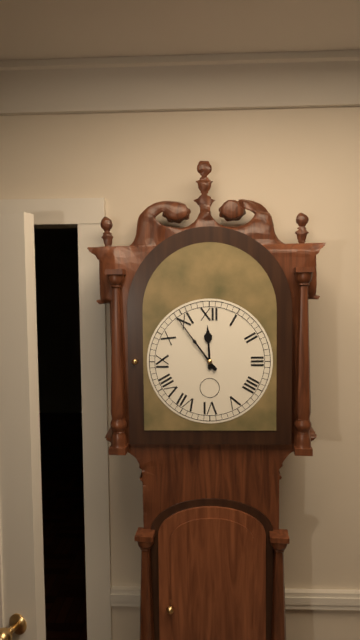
11:54
